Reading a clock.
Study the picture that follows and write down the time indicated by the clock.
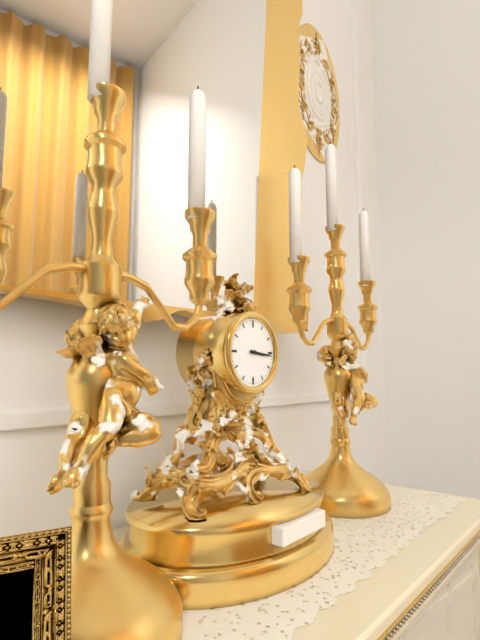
3:16
